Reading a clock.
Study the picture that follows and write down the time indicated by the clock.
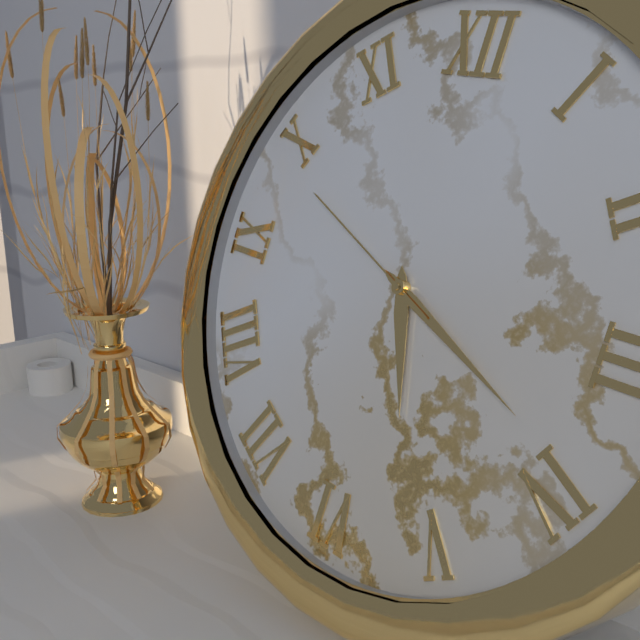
5:19:49
